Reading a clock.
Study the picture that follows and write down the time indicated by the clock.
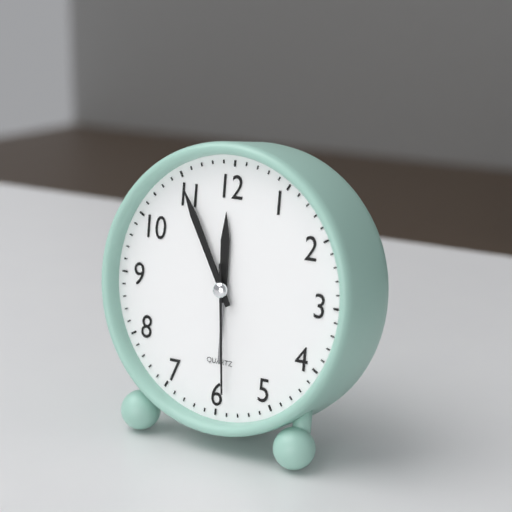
11:55:29
